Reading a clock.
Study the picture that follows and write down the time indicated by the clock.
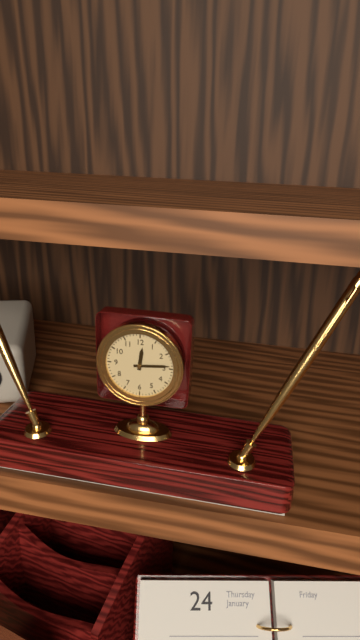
12:14
